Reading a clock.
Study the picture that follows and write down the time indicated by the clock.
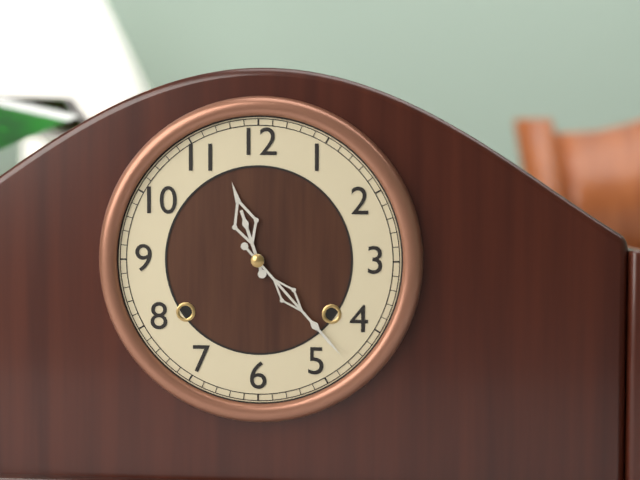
11:23
